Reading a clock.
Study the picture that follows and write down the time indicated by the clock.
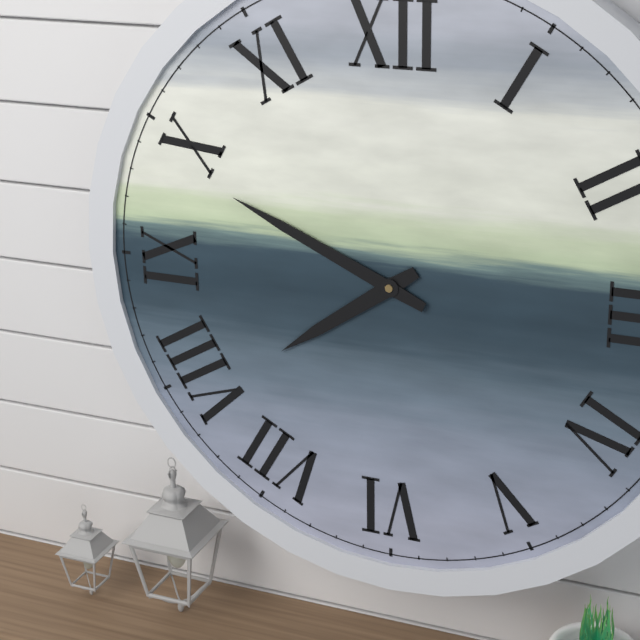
7:49
